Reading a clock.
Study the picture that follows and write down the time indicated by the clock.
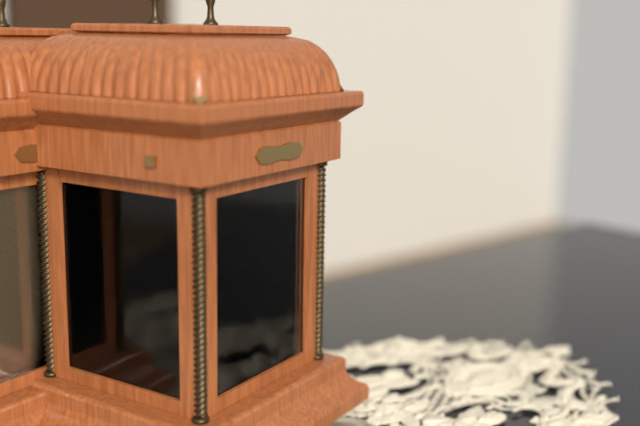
8:56
